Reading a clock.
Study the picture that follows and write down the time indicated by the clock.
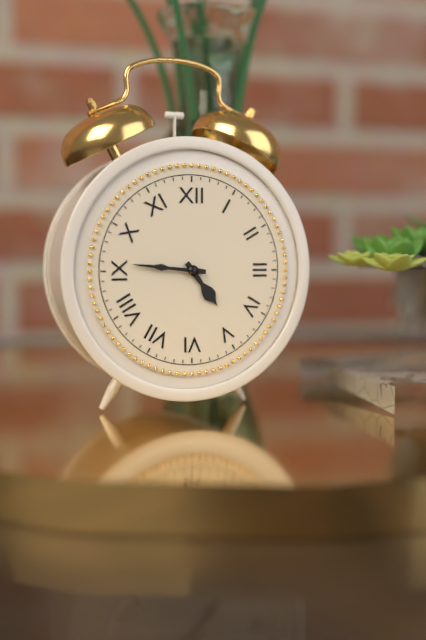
4:46
